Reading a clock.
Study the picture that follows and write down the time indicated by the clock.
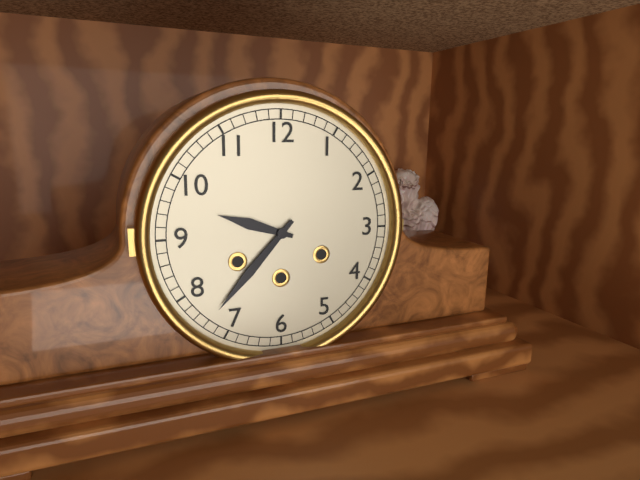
9:37
